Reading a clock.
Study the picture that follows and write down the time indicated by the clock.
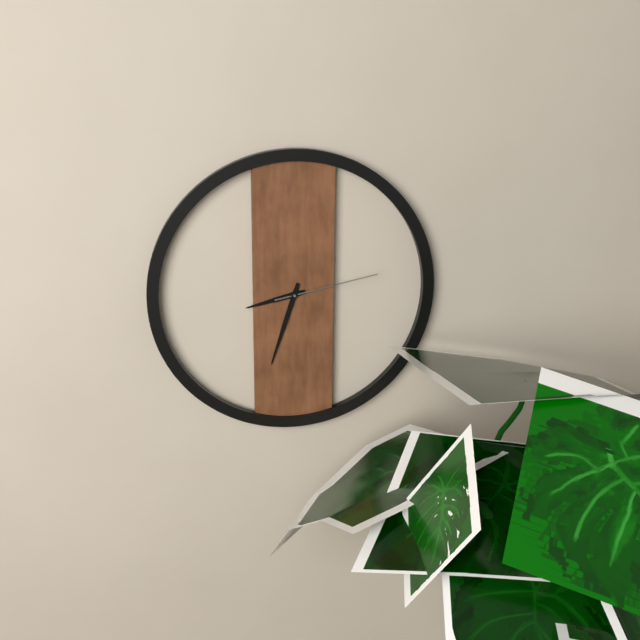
8:33:13
